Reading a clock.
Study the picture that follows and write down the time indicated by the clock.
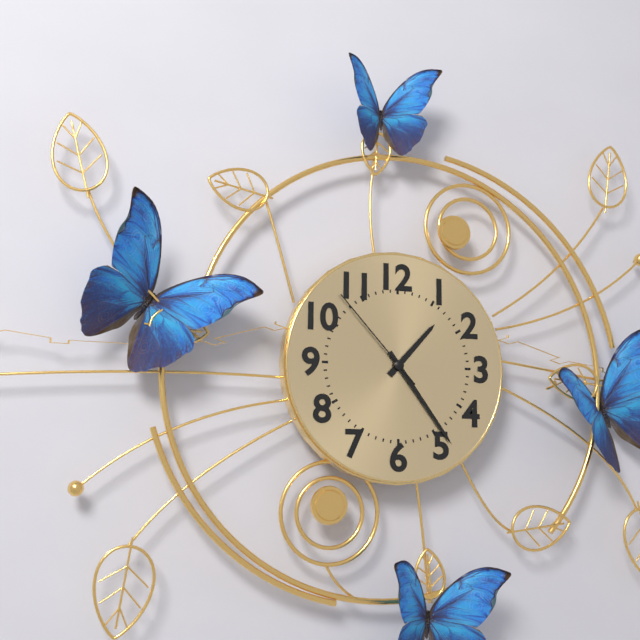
1:24:53
